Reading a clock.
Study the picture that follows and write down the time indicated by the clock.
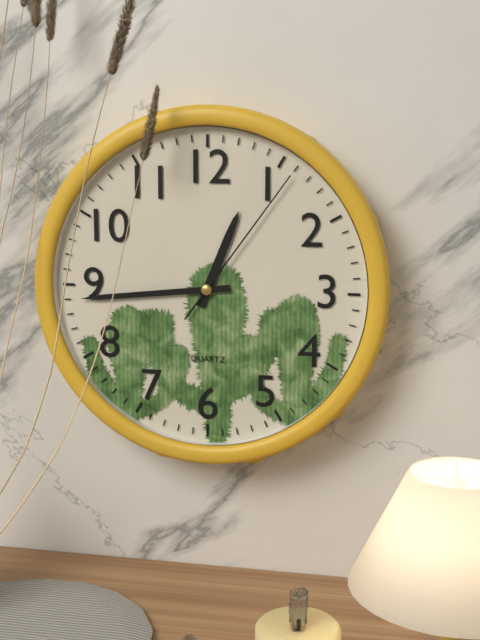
12:44:06
